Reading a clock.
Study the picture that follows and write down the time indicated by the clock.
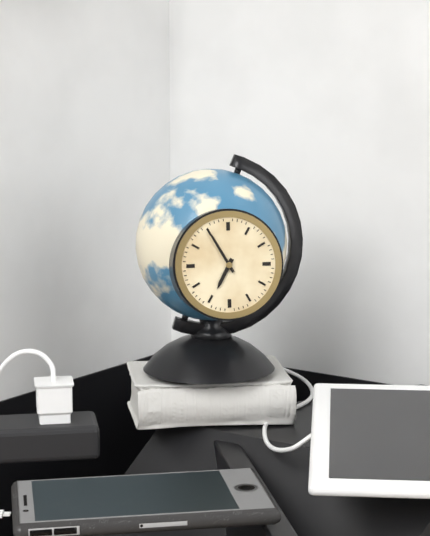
6:55
